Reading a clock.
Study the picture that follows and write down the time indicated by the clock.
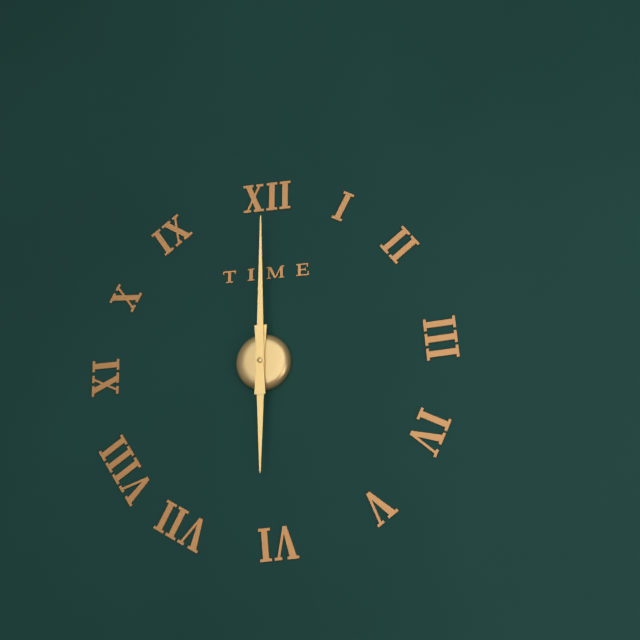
6:00
